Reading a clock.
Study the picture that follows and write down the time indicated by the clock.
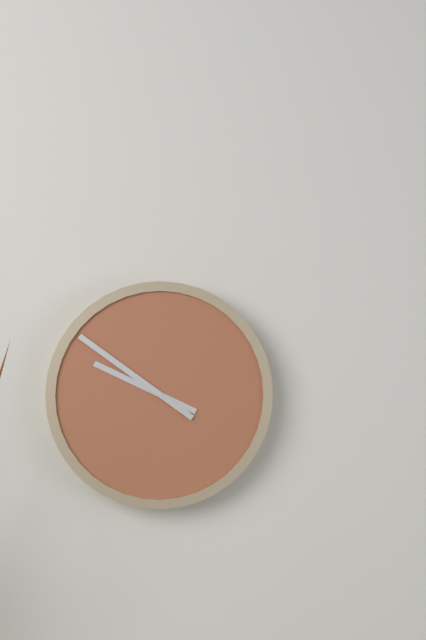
9:51
